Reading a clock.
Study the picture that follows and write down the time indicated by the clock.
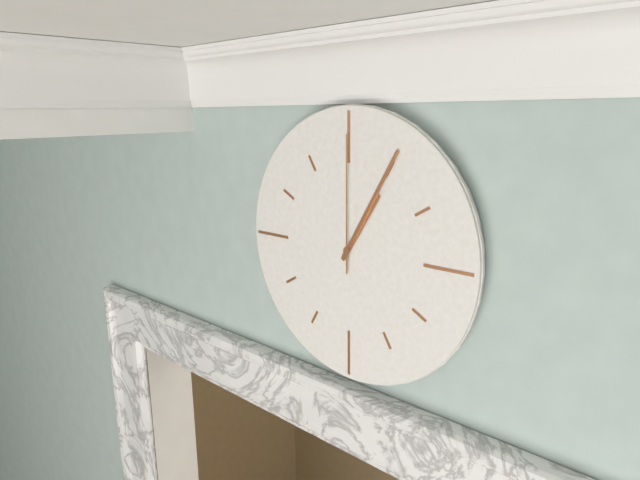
1:05:00
